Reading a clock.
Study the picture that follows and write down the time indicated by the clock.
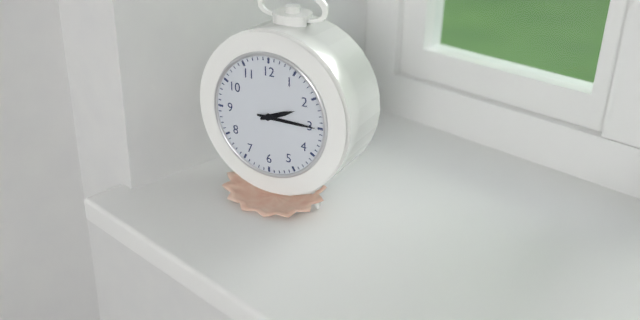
2:15
